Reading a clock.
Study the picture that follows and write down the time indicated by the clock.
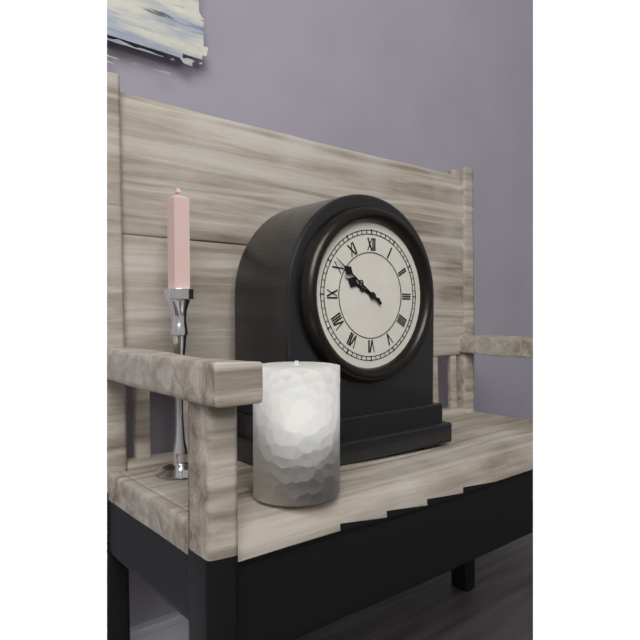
9:51
